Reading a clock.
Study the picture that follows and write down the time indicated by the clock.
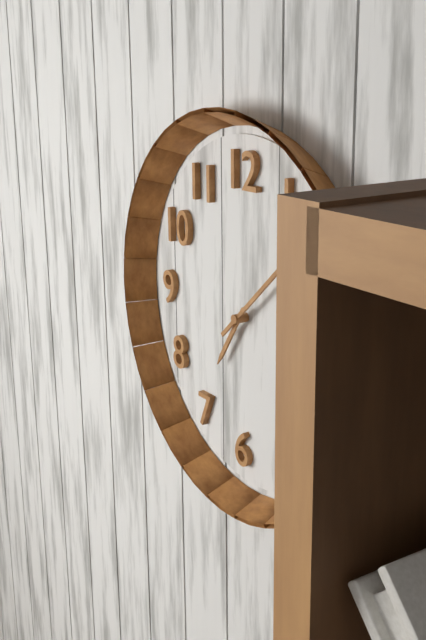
7:08
